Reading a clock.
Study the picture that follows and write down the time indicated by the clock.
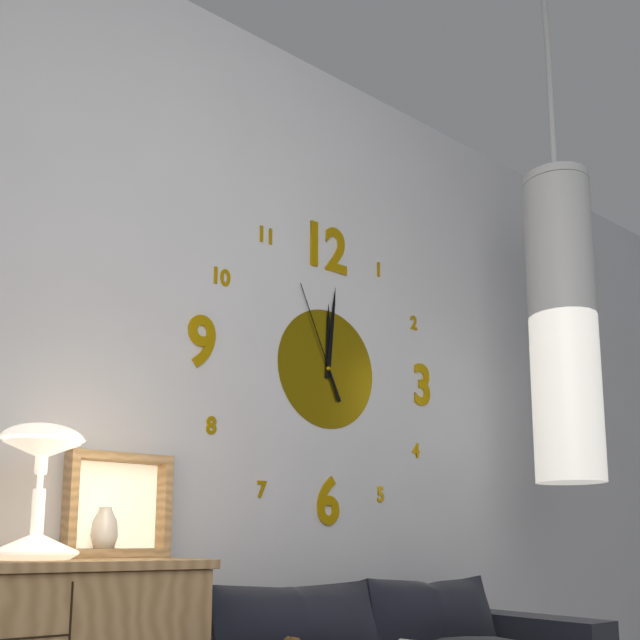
12:01:56
